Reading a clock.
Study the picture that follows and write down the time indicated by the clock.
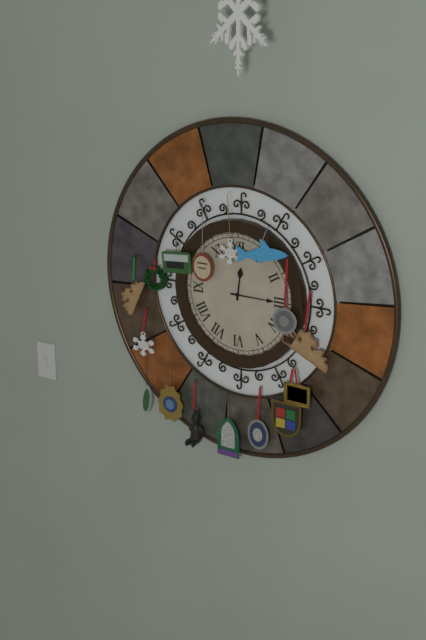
12:15
